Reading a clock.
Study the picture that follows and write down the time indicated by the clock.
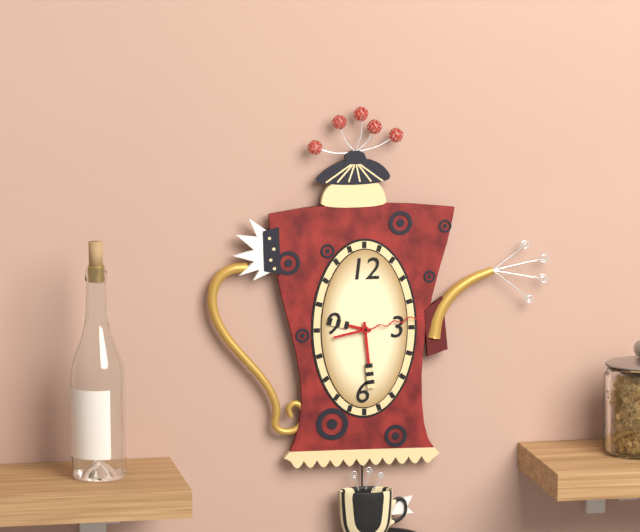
9:29:13
